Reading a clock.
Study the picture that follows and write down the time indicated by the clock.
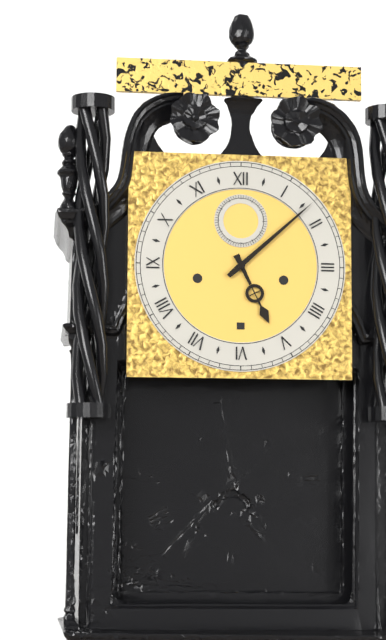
5:08
